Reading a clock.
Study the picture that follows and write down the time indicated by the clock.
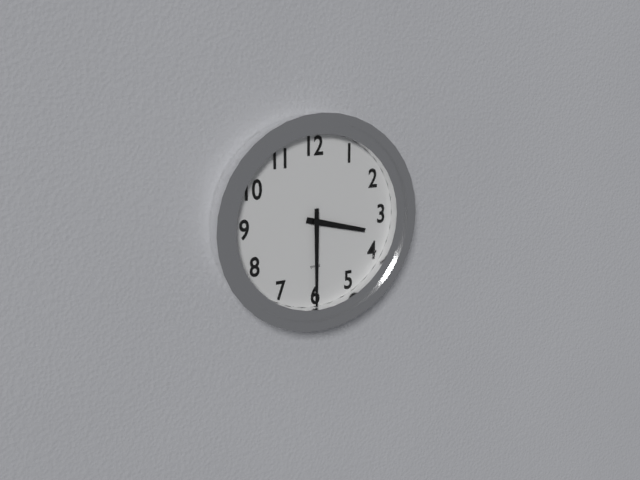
3:30
